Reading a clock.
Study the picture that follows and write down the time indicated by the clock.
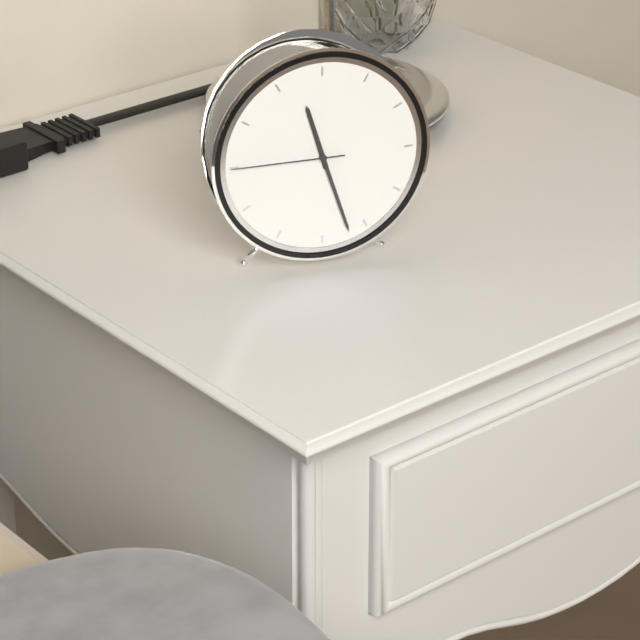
11:27:45
